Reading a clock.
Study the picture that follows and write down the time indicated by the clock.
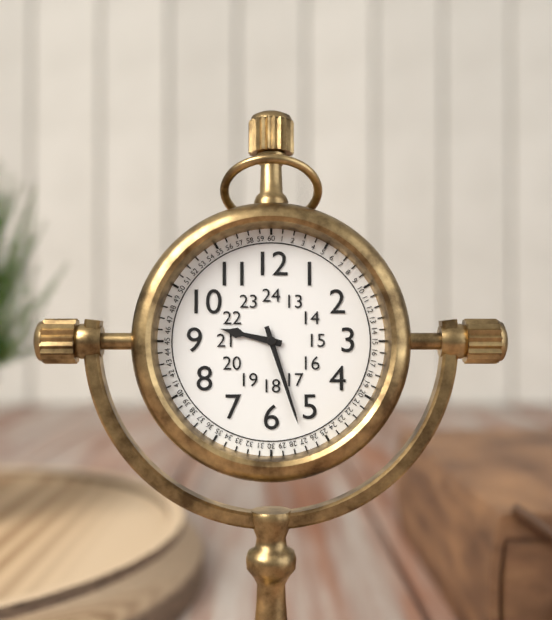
9:27
